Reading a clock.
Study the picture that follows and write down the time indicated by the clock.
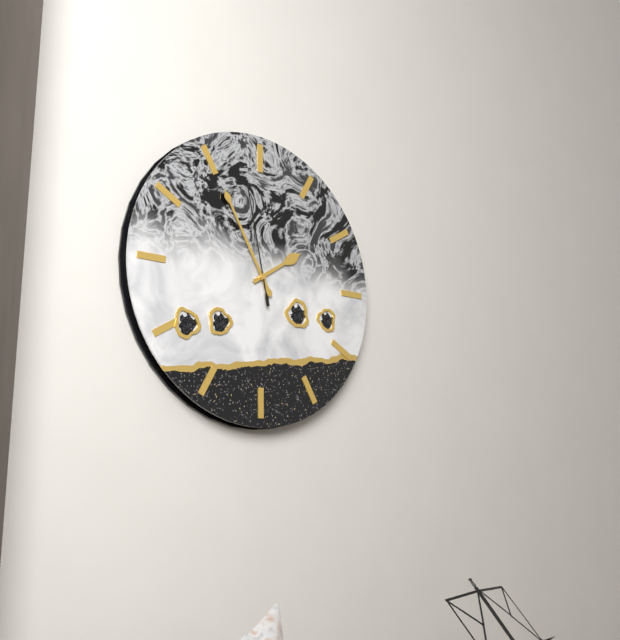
1:55:58
